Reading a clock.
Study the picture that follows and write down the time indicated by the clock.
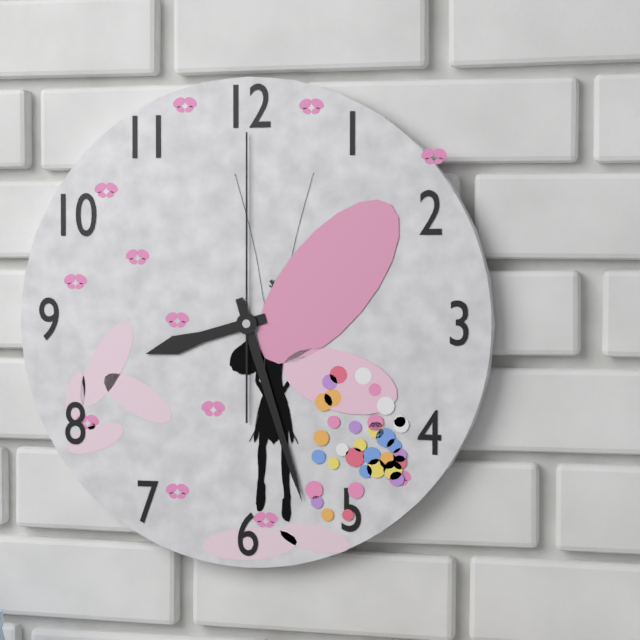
8:27:00
